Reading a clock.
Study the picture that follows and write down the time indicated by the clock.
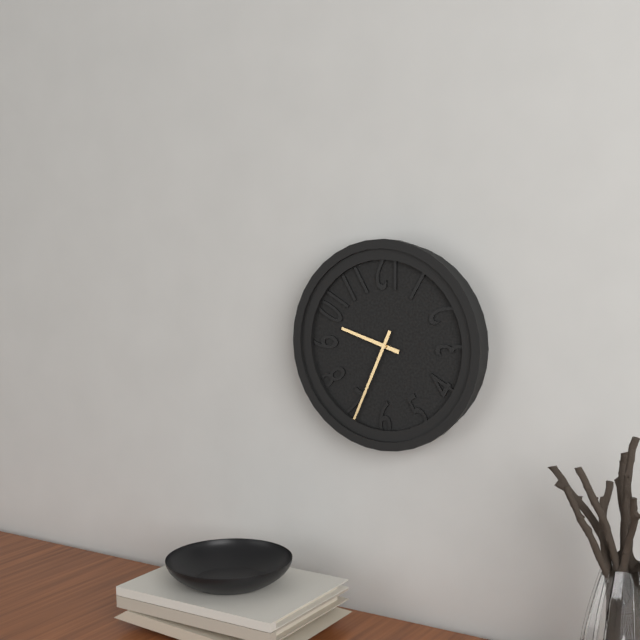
9:34
